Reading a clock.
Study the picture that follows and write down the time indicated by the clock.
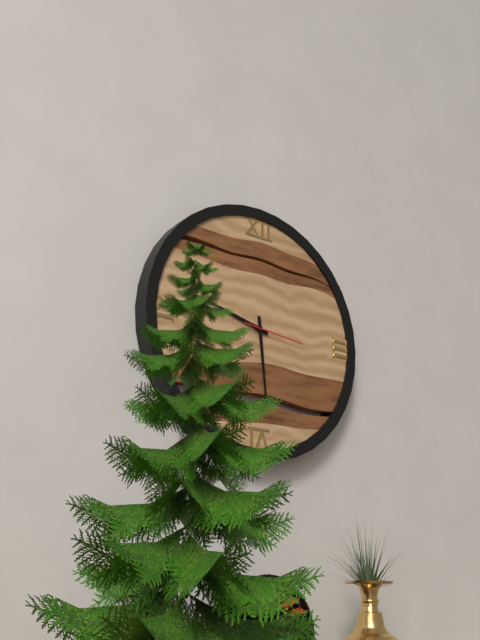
9:29:16
